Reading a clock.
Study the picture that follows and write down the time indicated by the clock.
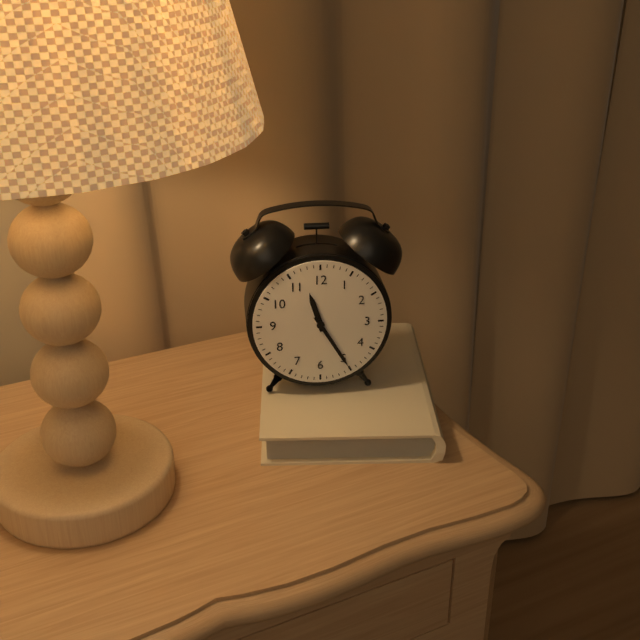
11:25
